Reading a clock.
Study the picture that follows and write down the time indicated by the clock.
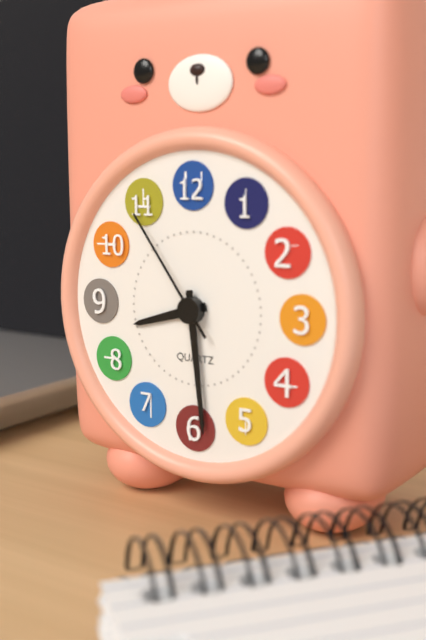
8:29:54
